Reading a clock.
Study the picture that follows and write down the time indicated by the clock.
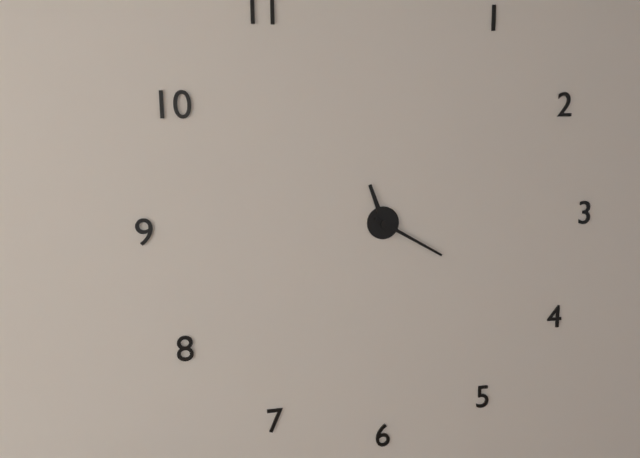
11:20
